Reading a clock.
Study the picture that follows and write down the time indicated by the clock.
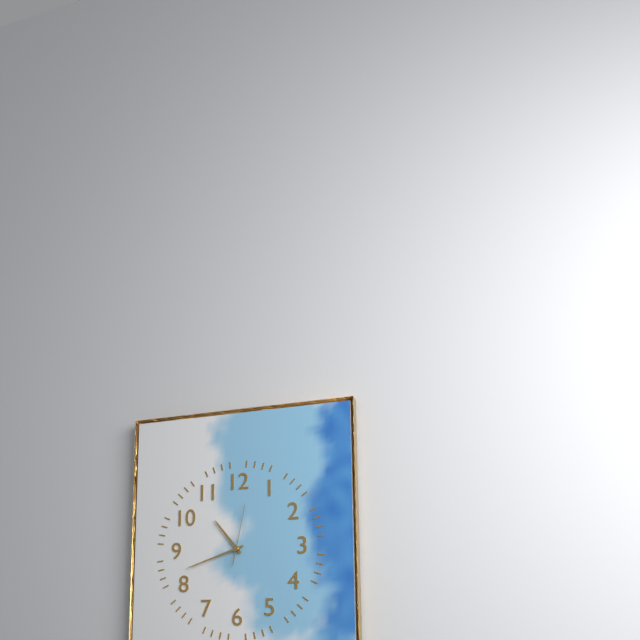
10:42:02
